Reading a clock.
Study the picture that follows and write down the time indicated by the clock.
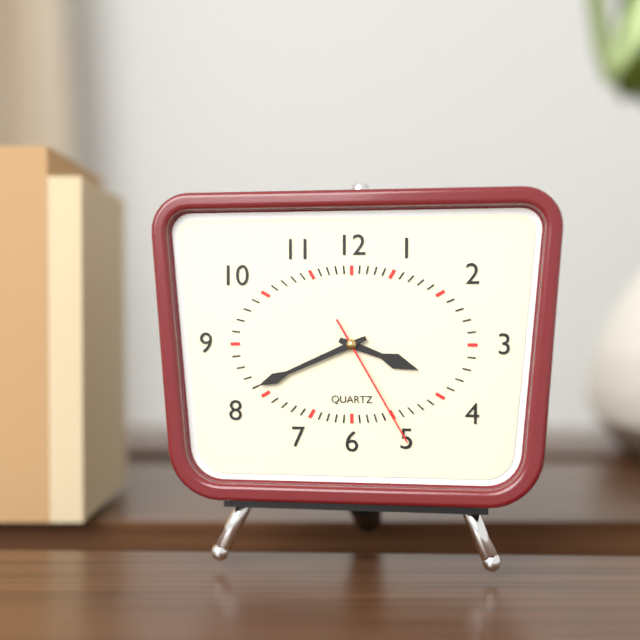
3:41:25
